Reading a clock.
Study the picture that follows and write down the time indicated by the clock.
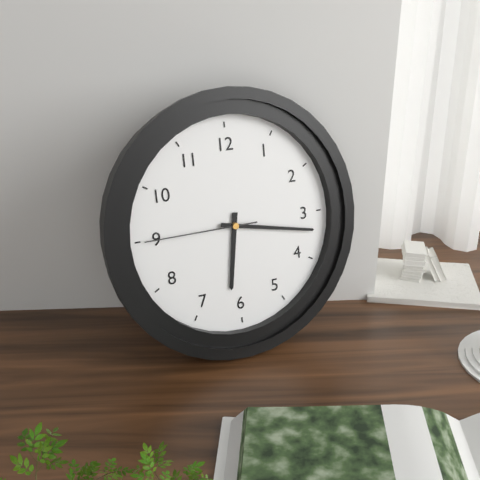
6:17:45
